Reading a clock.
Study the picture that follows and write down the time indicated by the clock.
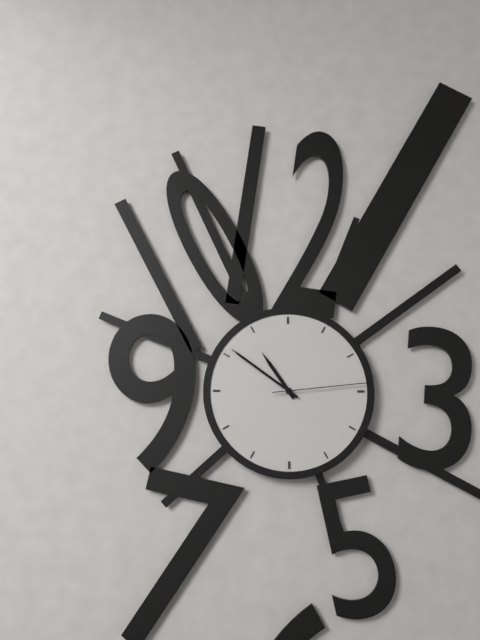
10:51:14
